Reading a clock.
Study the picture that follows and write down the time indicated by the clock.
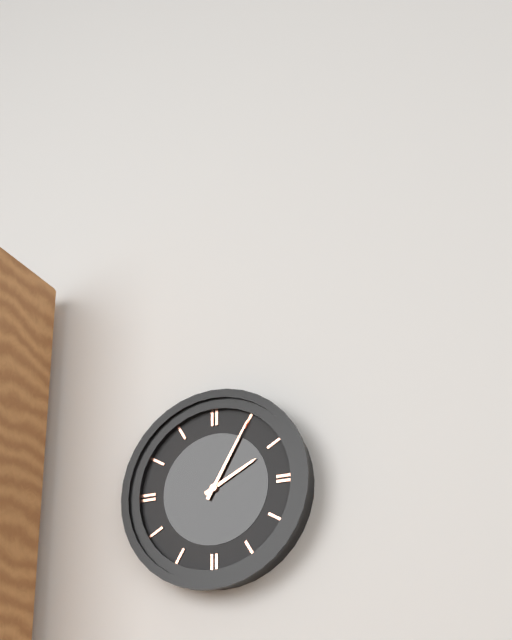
2:05
